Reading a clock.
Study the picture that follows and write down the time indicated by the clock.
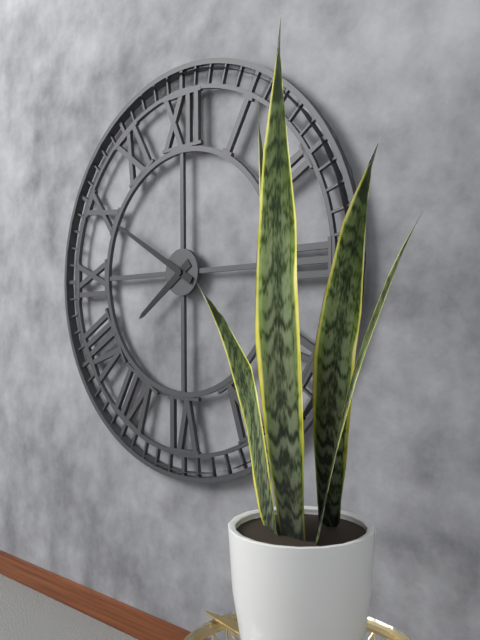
7:50
